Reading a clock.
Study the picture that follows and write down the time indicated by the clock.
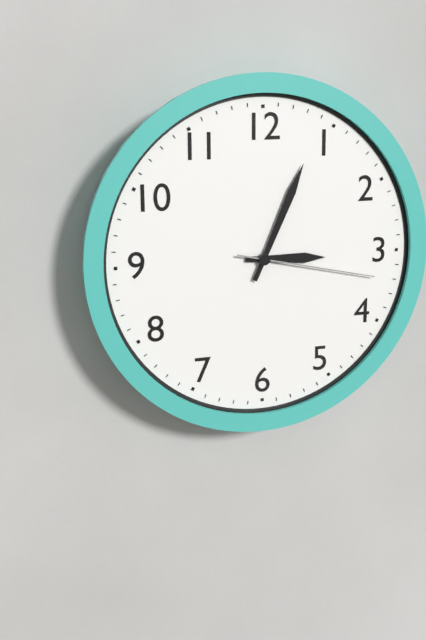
3:04:17
